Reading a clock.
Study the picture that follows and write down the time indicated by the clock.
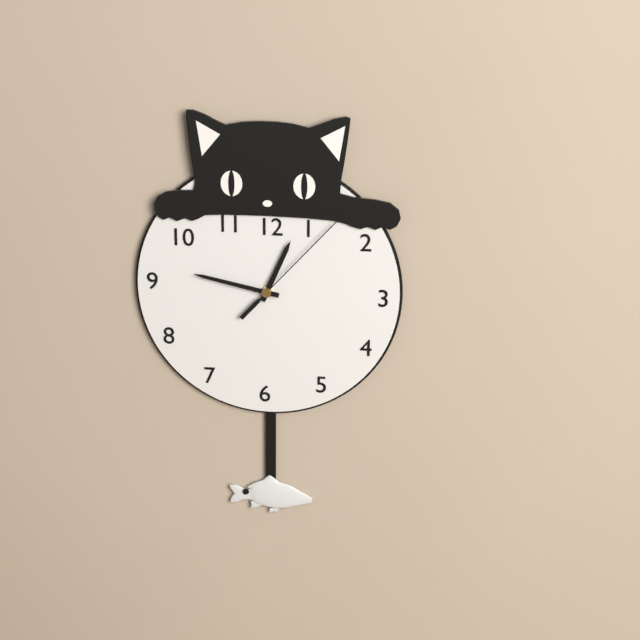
12:47:07
